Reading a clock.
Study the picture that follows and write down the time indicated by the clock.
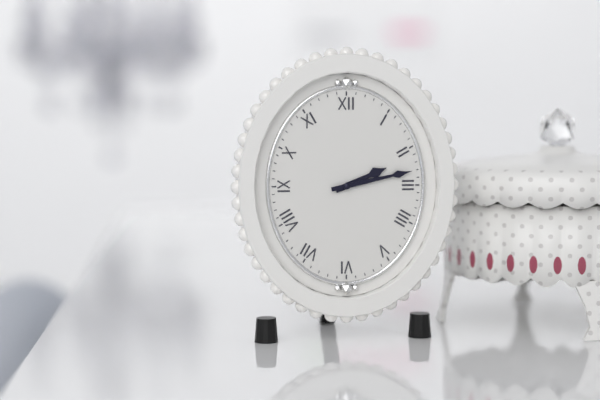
2:13
